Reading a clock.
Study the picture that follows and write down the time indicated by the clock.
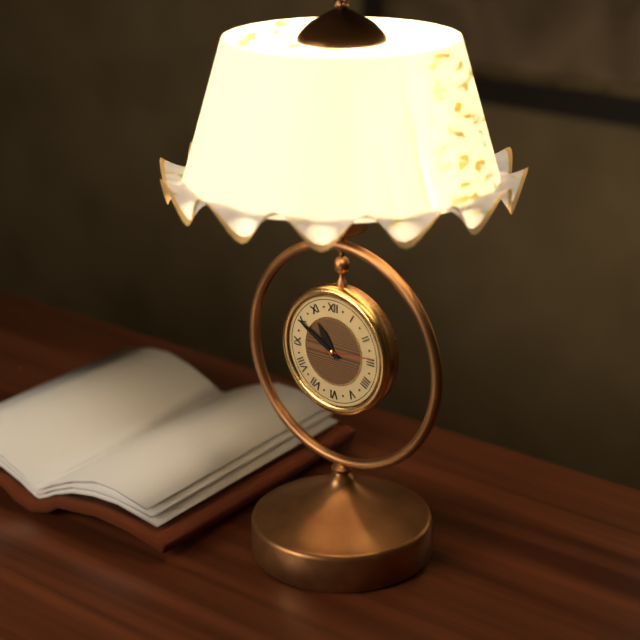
10:50
